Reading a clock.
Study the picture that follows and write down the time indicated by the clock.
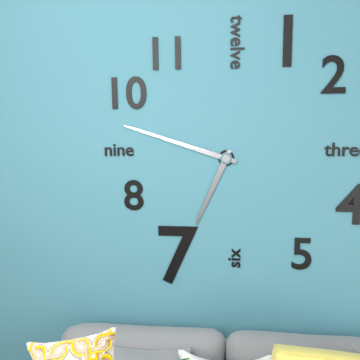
6:48
